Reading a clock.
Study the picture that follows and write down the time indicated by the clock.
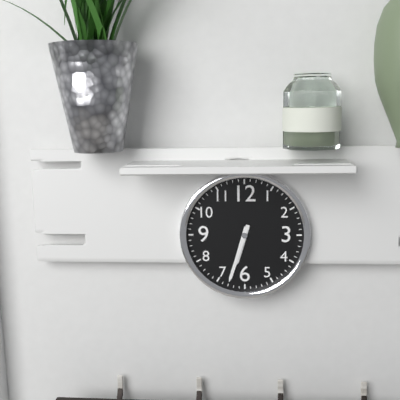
6:33
